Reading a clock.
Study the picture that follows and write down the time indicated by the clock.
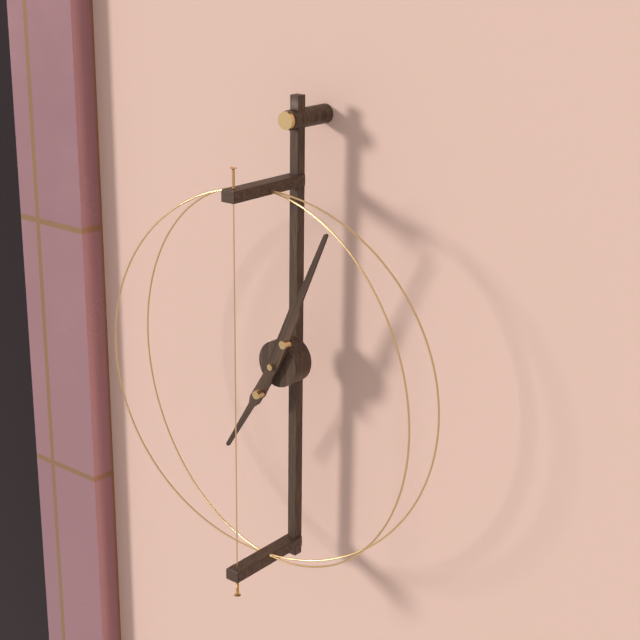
7:04
